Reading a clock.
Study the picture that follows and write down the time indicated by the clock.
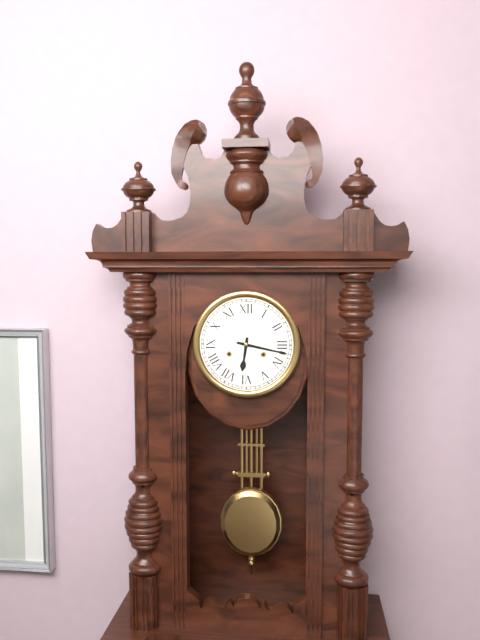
6:17
